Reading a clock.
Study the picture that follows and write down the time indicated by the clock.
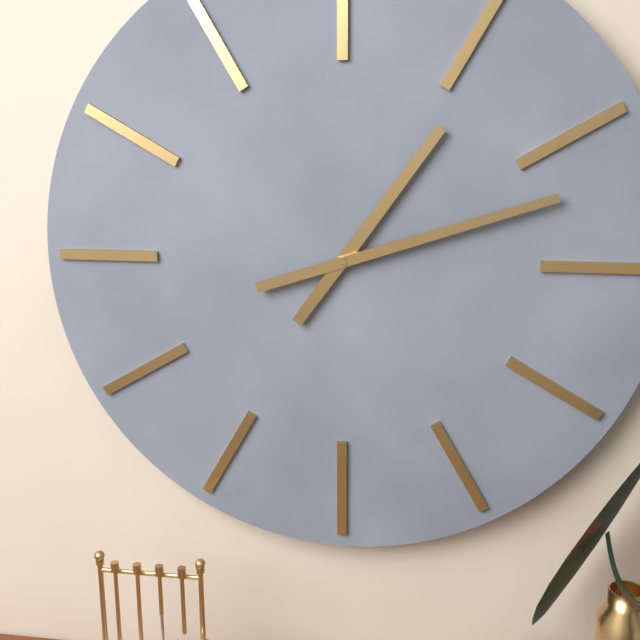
1:12
